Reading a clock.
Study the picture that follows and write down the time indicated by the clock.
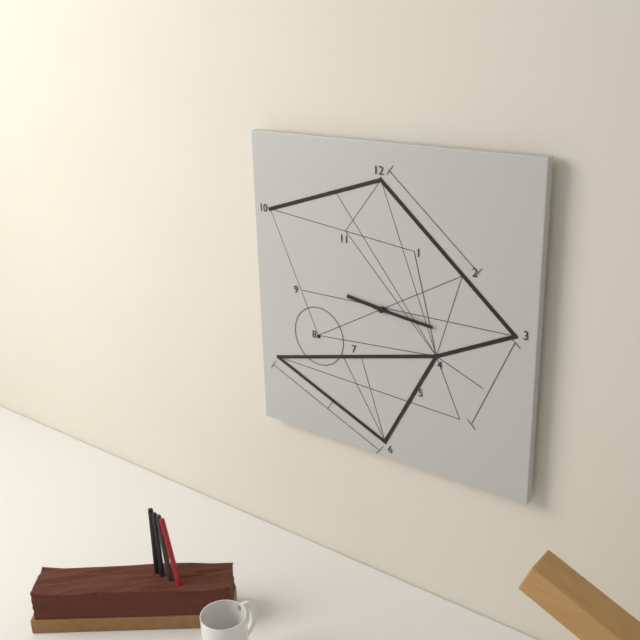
9:16
